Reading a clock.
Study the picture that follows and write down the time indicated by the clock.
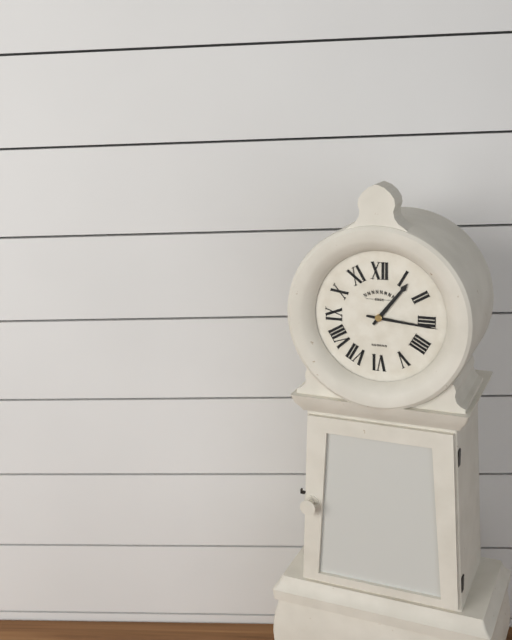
1:16
